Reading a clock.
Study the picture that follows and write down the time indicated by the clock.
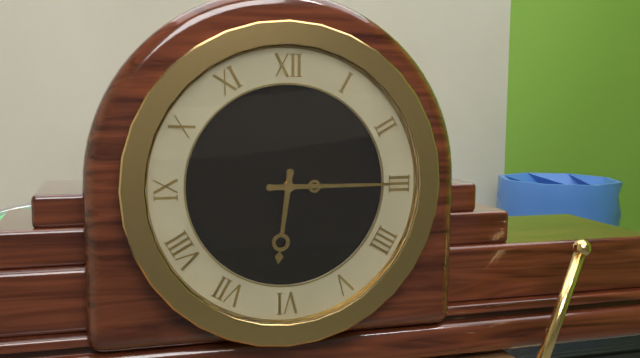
6:15
